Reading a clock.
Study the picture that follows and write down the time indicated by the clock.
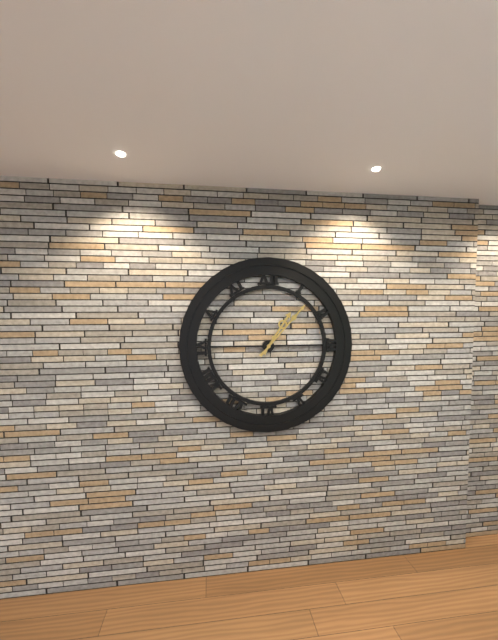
1:07
